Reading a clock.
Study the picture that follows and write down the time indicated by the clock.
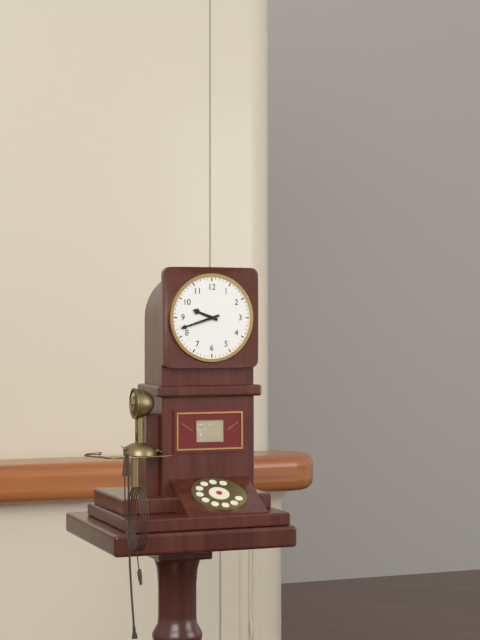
9:42
